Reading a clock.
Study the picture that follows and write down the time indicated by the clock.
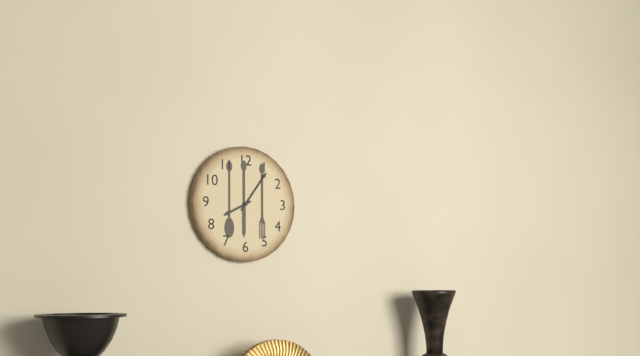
8:06
